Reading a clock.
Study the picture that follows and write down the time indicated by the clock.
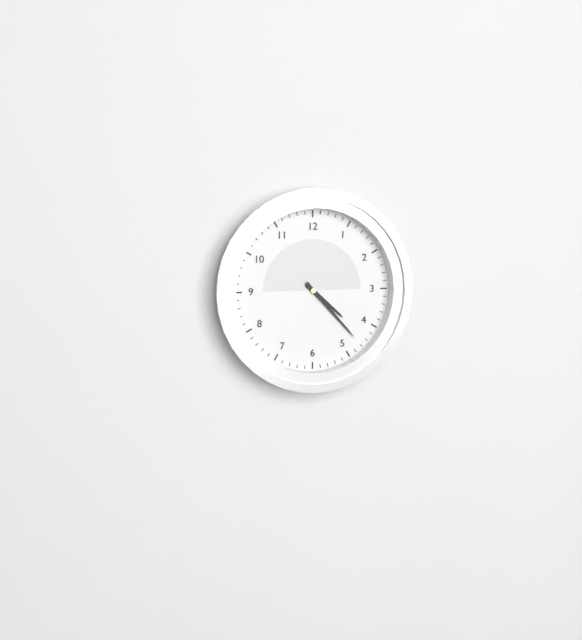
4:23
